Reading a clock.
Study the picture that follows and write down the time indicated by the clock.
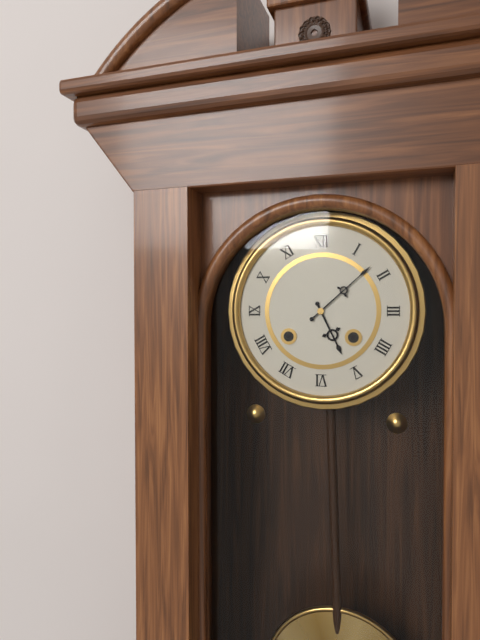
5:08
